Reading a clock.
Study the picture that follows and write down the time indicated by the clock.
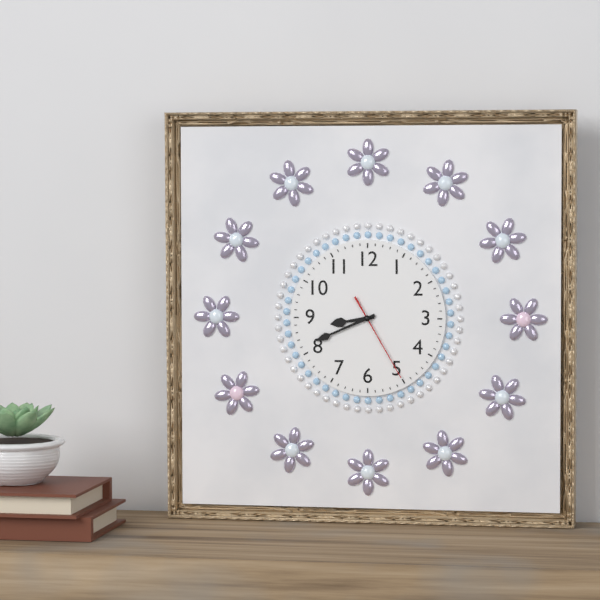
8:41:25
